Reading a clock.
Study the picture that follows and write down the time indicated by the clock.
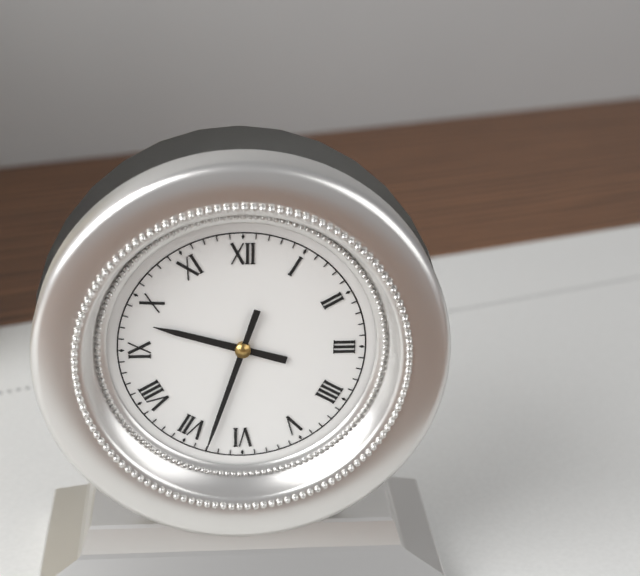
9:33
